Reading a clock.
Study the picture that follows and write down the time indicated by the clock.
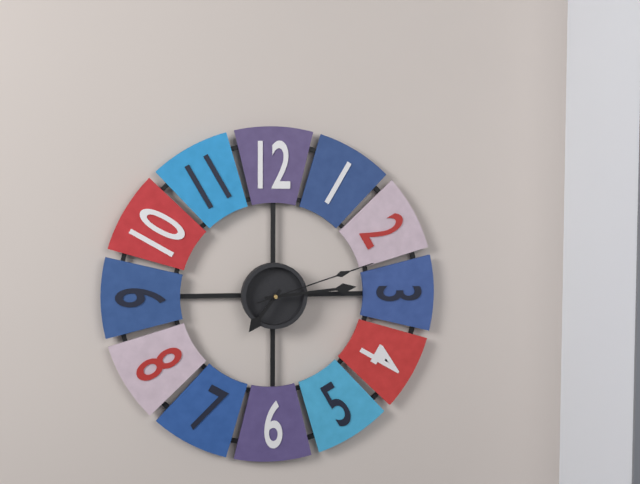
7:14:12
